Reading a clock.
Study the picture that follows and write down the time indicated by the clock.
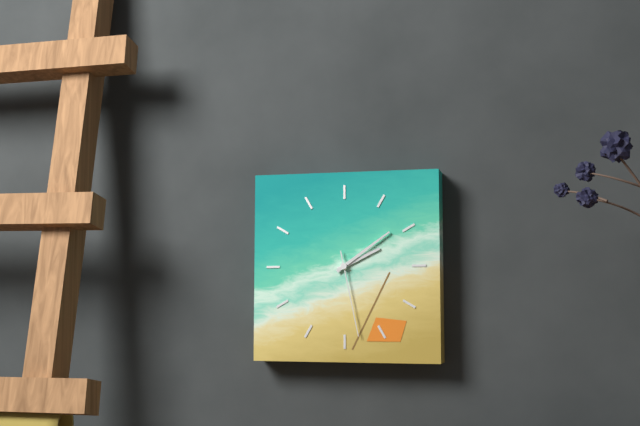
2:09:28
